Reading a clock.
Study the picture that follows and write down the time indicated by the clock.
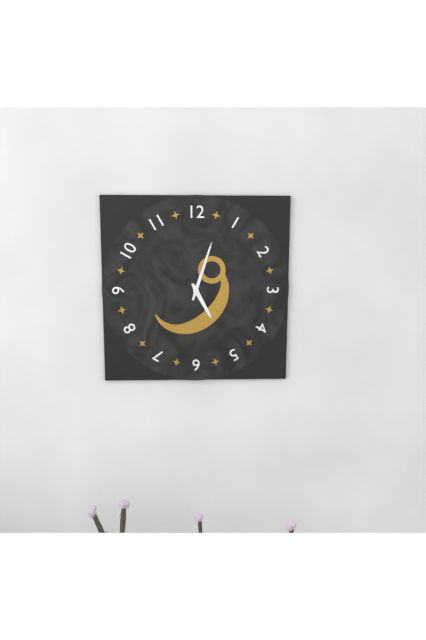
5:03
